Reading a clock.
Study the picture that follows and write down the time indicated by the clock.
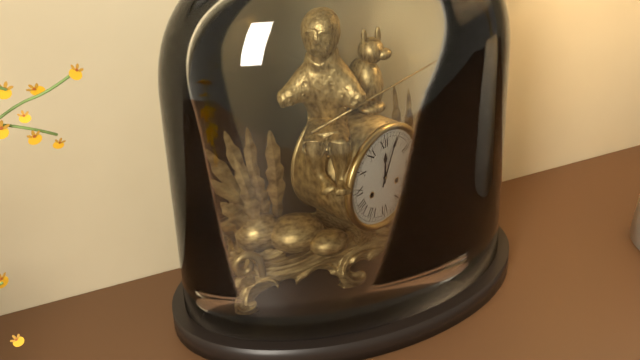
12:04
